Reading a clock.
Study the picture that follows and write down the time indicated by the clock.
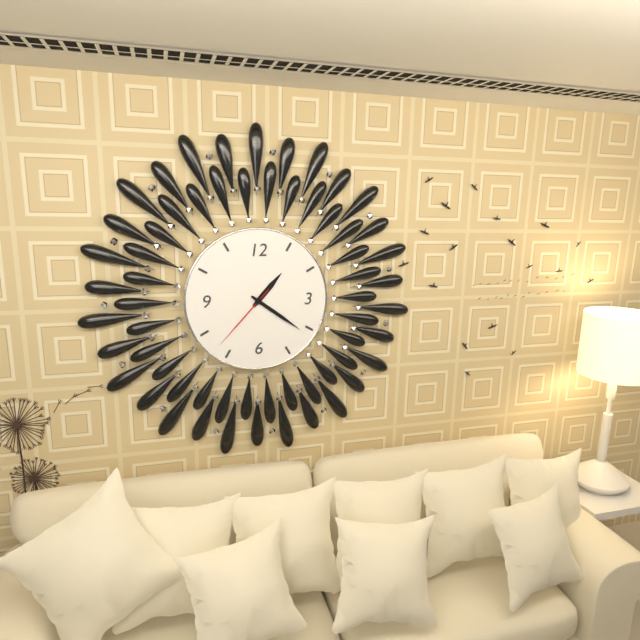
1:21:37
